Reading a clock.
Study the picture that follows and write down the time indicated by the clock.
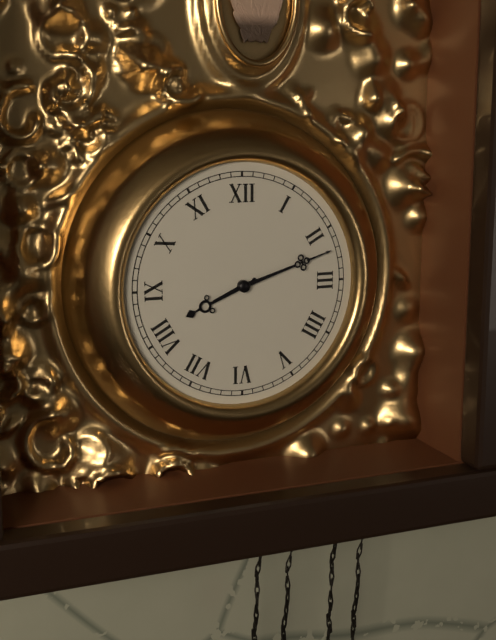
8:12
